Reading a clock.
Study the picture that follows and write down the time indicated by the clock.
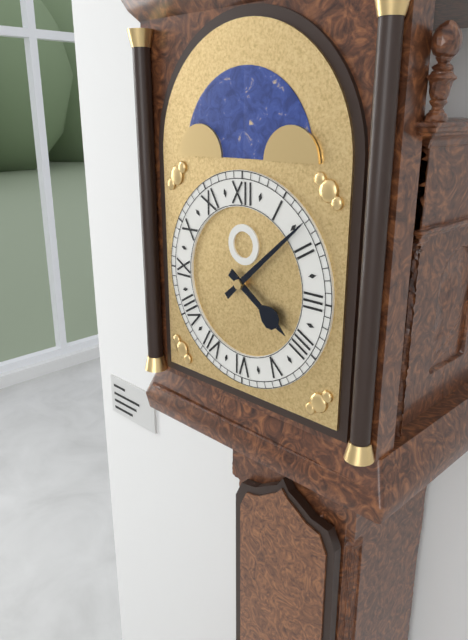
4:08
